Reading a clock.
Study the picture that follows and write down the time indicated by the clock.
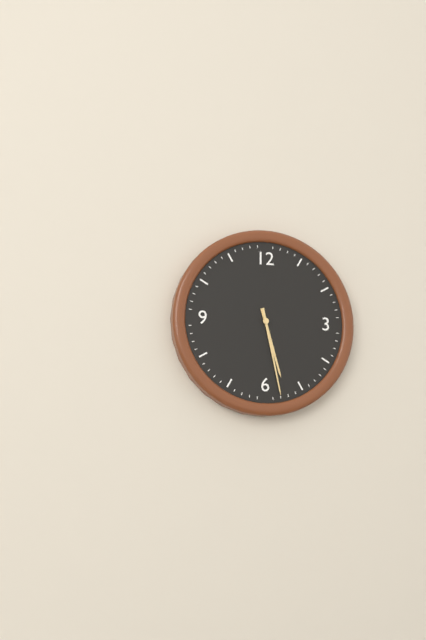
5:28
